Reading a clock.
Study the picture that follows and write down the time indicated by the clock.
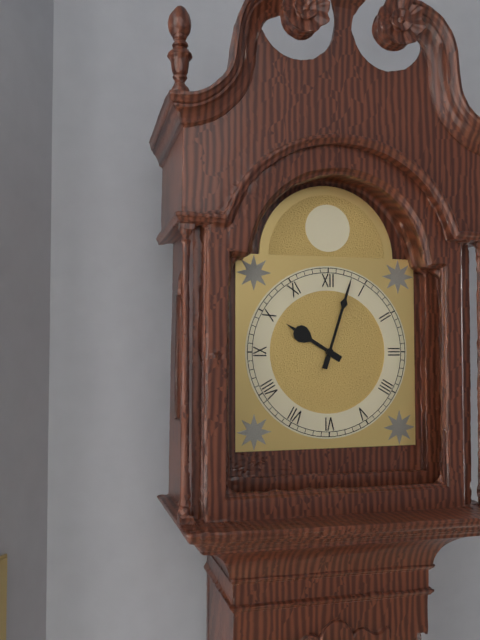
10:03
